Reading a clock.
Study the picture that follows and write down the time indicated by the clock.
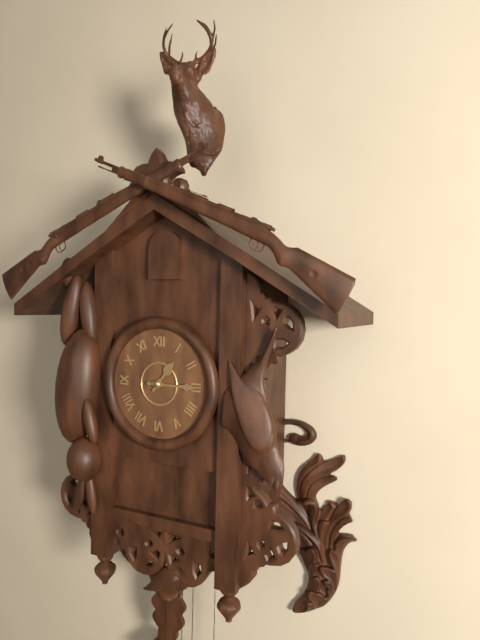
1:15
